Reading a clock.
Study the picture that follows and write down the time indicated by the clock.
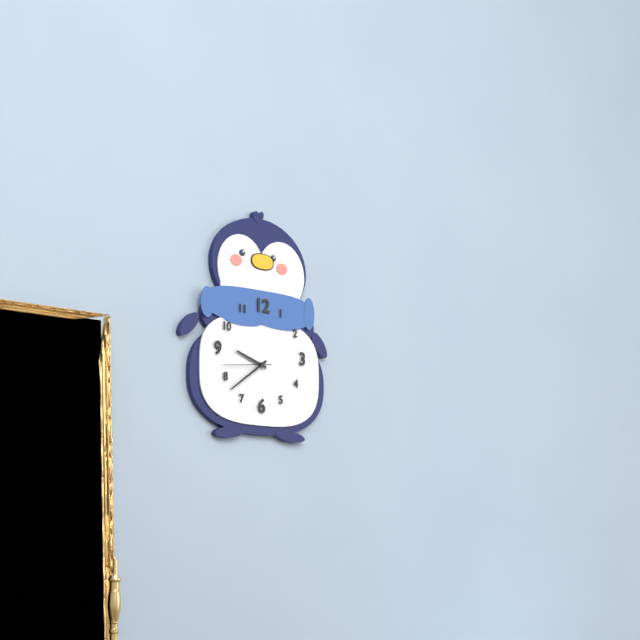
9:39
